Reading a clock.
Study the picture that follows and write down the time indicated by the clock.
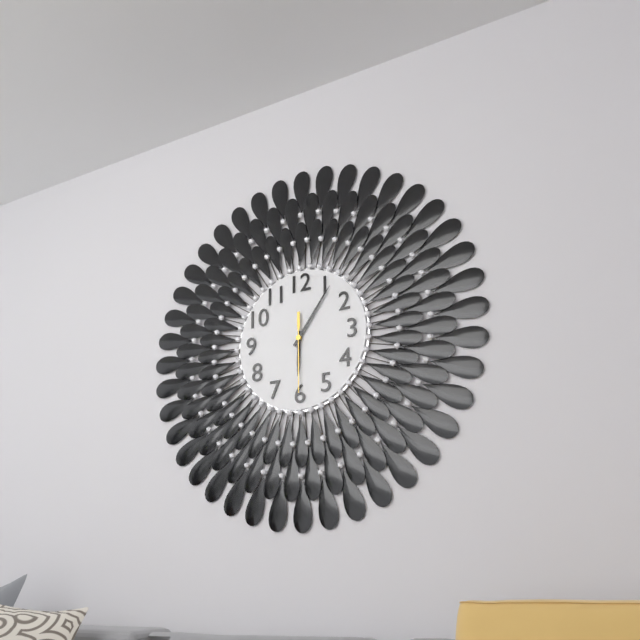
6:06:30
